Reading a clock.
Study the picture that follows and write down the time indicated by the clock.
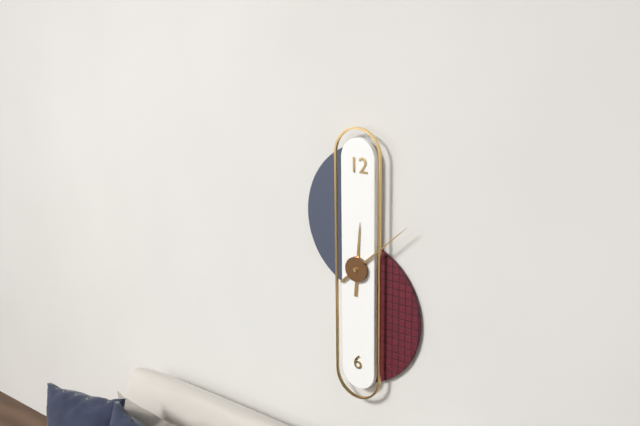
12:08
